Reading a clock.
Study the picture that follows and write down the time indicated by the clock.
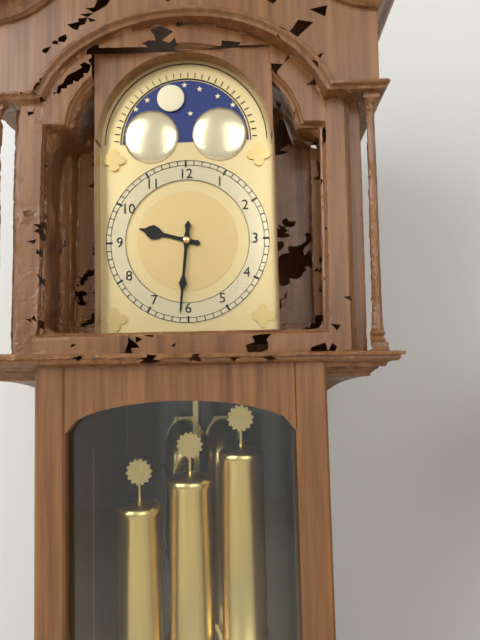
9:31
